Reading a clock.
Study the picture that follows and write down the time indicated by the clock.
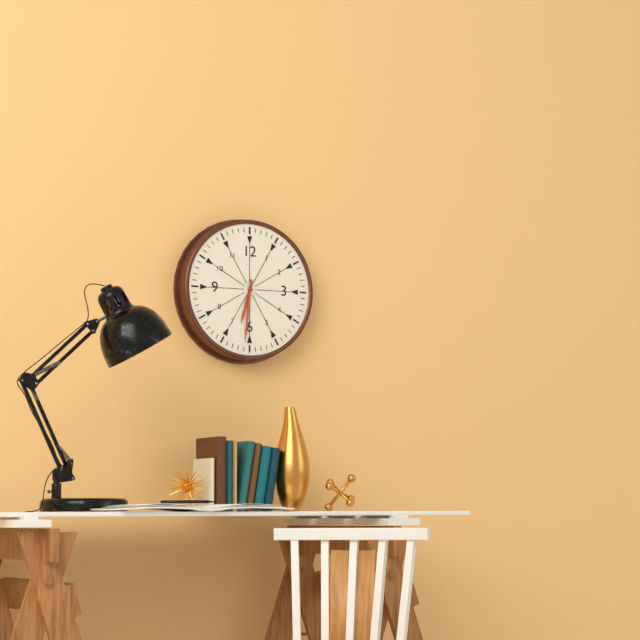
6:31
